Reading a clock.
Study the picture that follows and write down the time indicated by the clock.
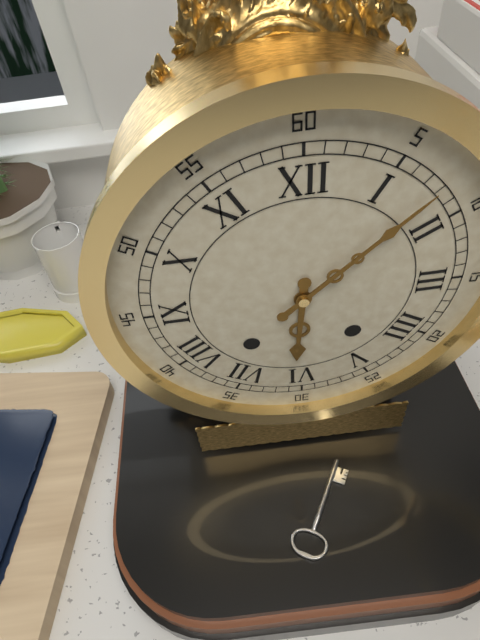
6:08
